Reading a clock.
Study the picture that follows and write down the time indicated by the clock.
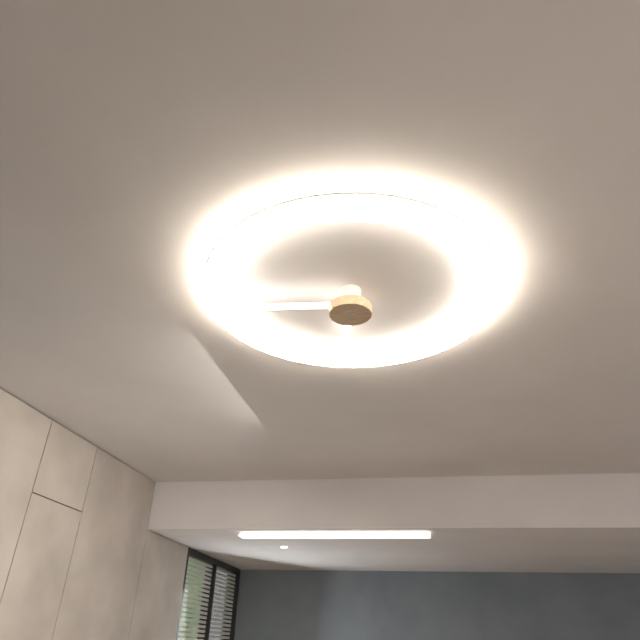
4:37
